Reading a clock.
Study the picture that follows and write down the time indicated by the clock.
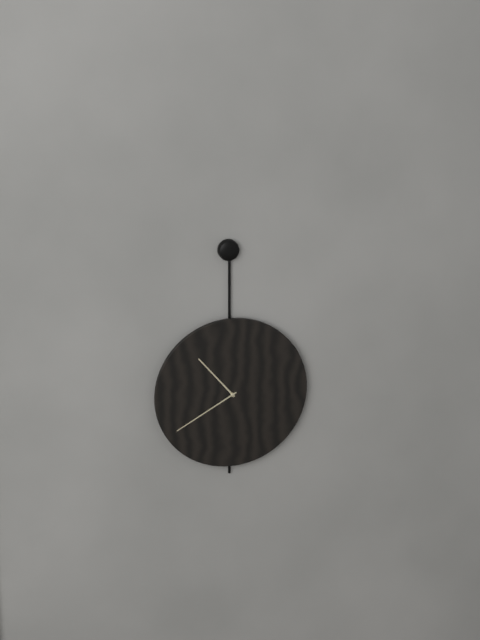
10:40
